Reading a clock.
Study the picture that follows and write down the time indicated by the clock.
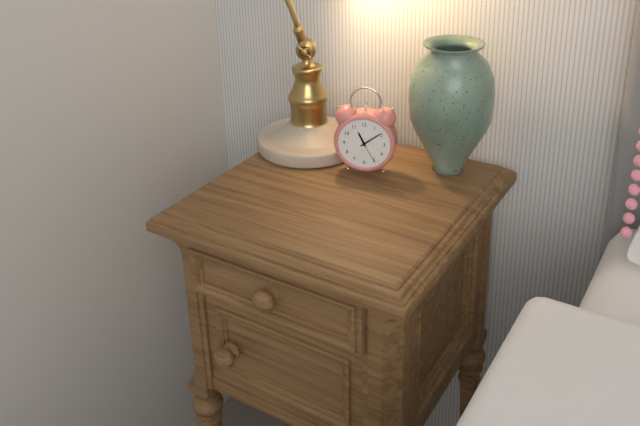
11:09
